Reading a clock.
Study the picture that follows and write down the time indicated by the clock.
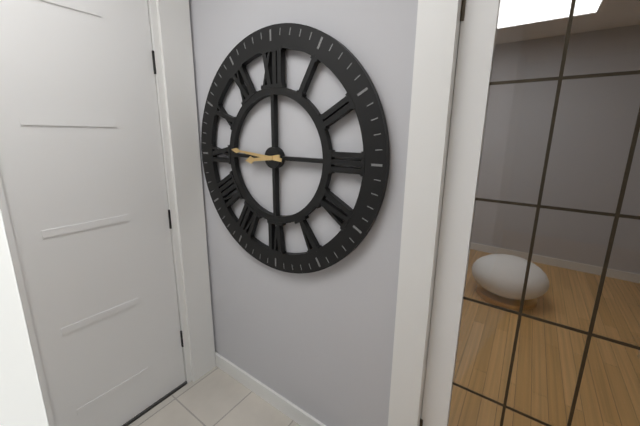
8:46
